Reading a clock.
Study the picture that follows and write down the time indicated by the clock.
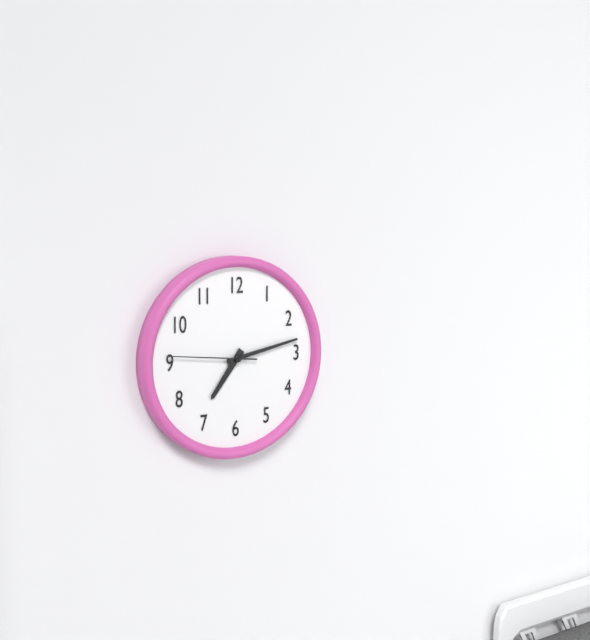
7:13:46
